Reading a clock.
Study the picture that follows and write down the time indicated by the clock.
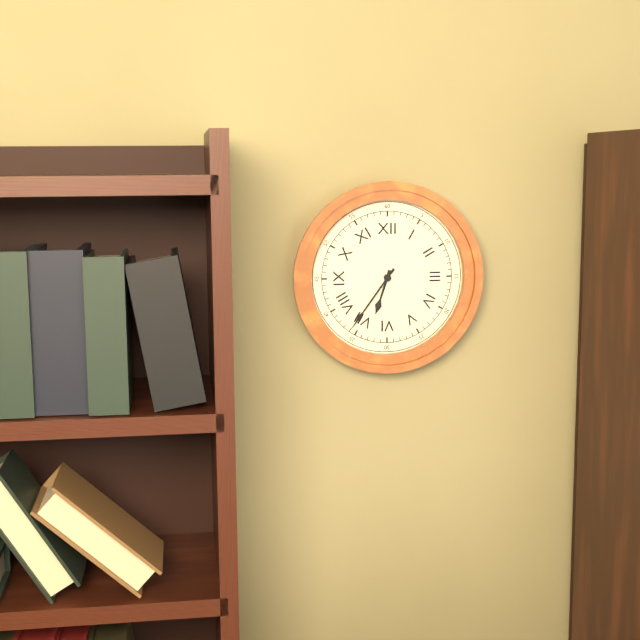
6:36
